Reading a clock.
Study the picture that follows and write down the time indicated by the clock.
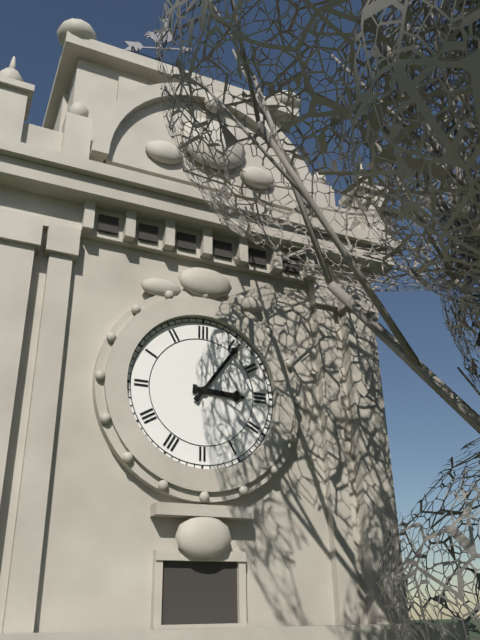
3:06
